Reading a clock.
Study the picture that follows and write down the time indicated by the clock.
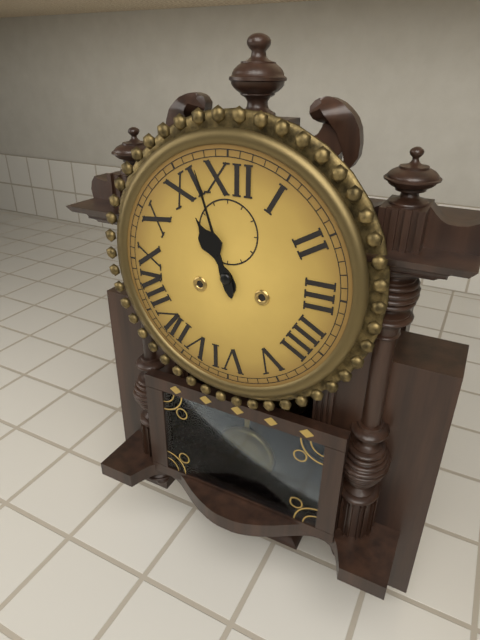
10:57
